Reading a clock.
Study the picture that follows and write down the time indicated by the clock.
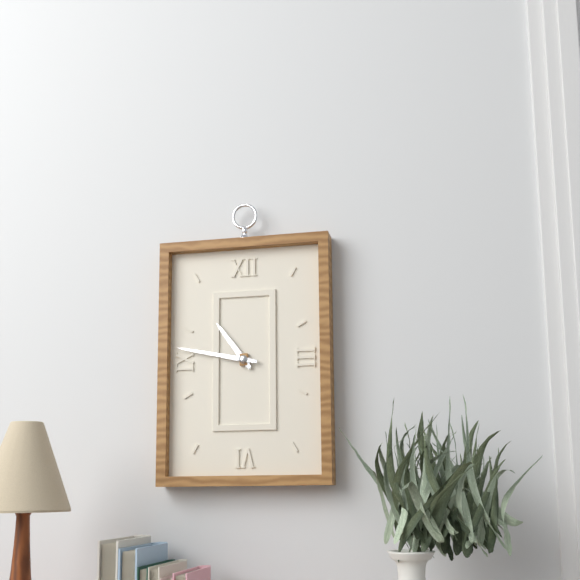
10:47
